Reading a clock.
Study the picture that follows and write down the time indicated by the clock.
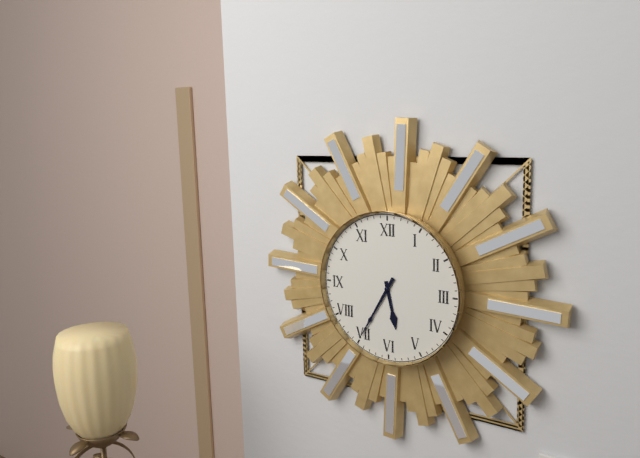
5:35
